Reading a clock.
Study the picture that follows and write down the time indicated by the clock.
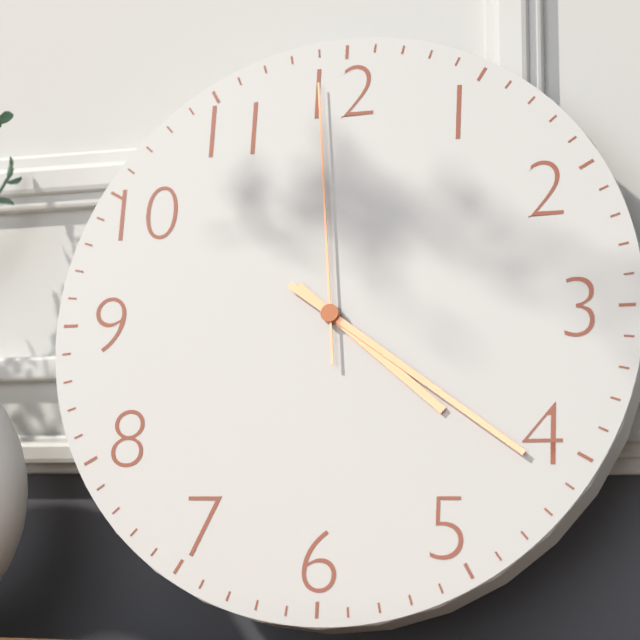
4:21:59
